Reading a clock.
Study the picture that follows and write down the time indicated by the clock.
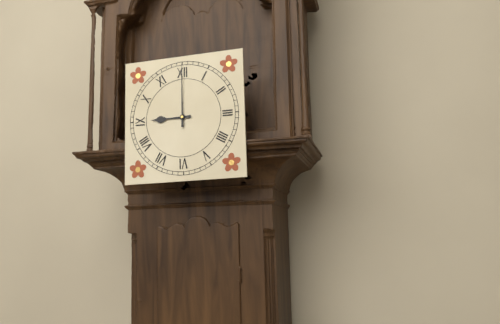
9:00
